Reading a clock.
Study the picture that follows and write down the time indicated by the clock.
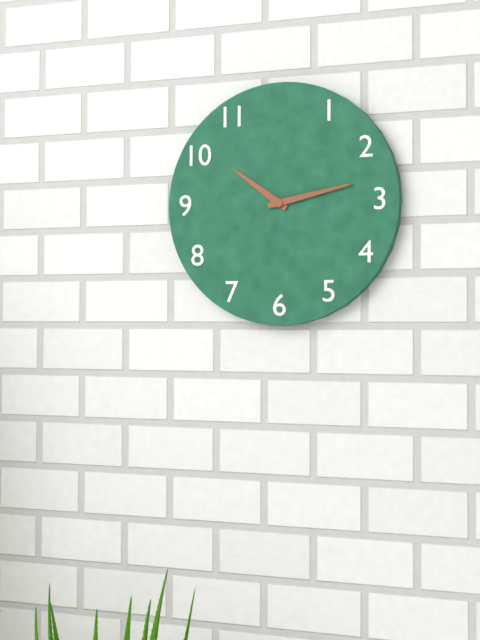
10:13
